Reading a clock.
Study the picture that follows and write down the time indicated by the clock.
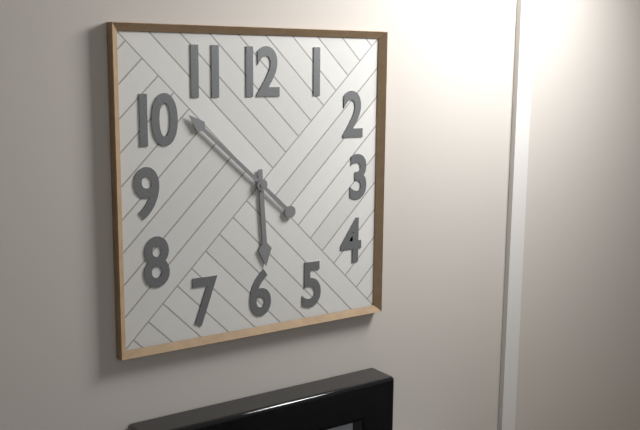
5:52
